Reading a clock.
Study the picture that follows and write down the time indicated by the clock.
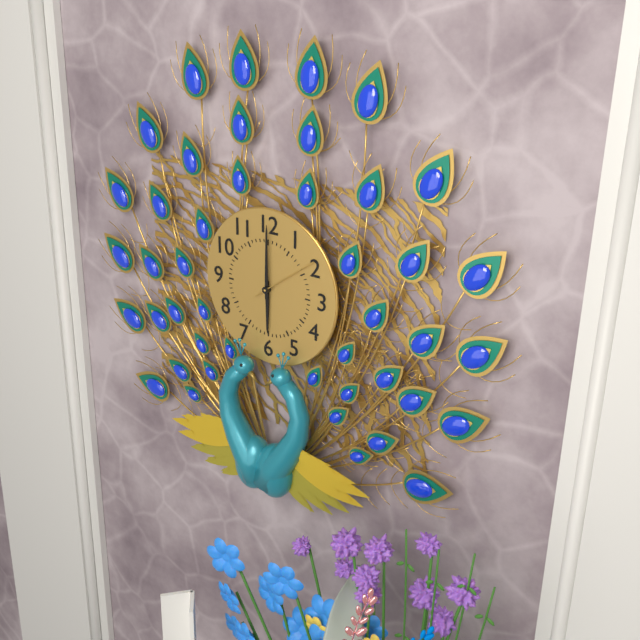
6:00:09
